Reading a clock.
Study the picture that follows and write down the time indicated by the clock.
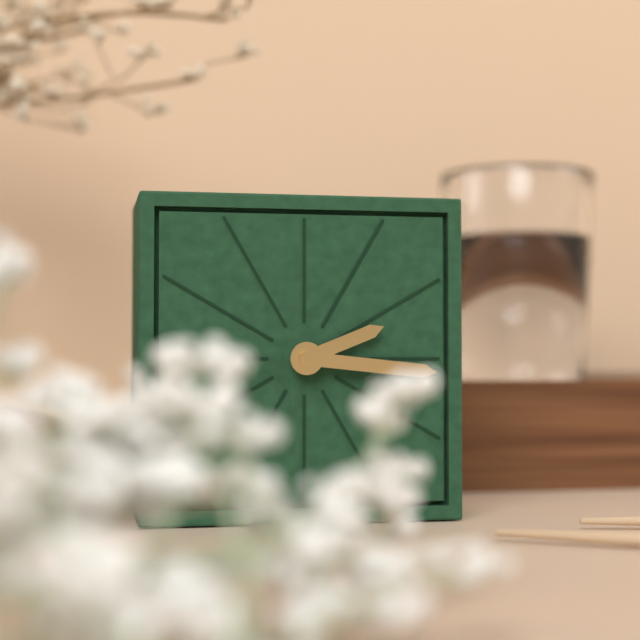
2:16
